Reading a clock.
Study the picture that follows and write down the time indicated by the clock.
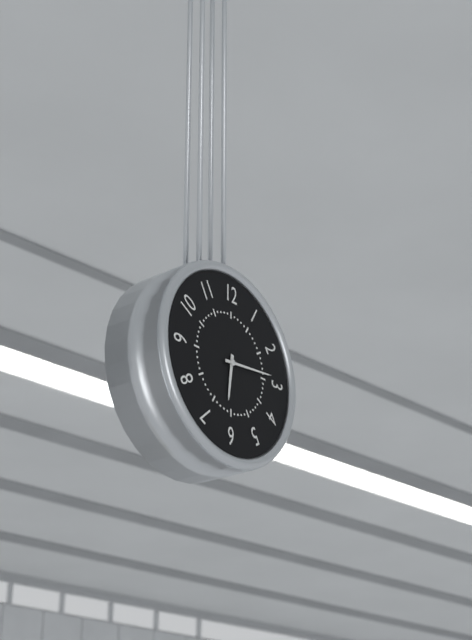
6:14
